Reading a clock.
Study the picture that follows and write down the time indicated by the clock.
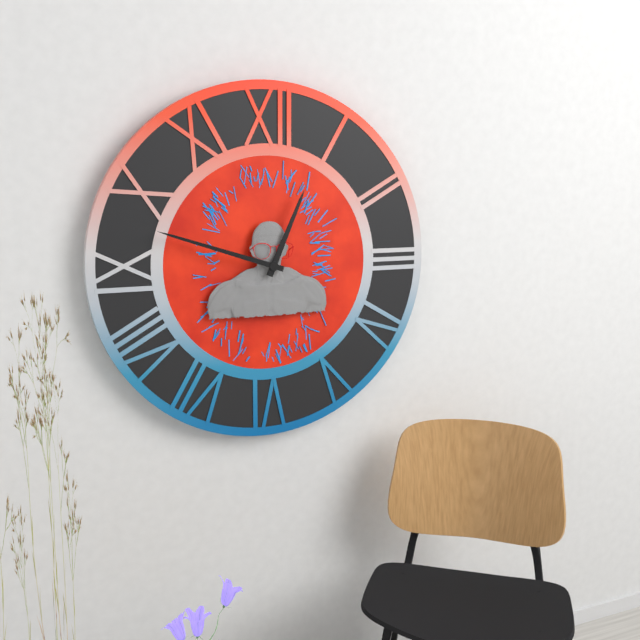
12:48
